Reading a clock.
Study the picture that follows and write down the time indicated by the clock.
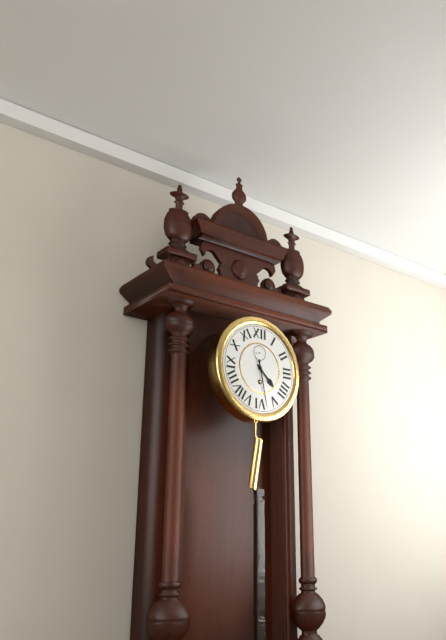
4:28
